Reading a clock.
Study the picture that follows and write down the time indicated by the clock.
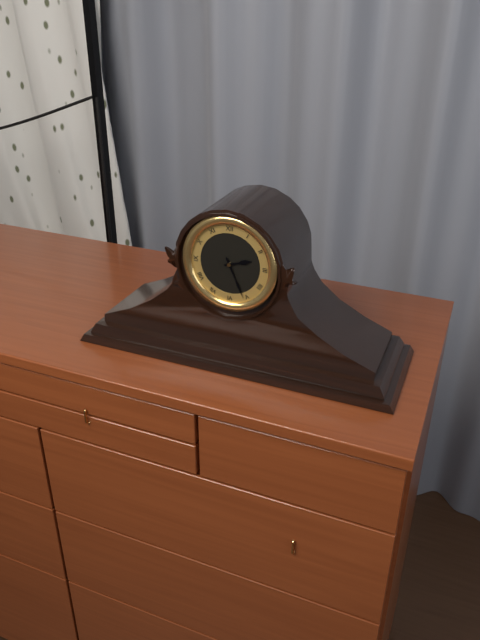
2:26
